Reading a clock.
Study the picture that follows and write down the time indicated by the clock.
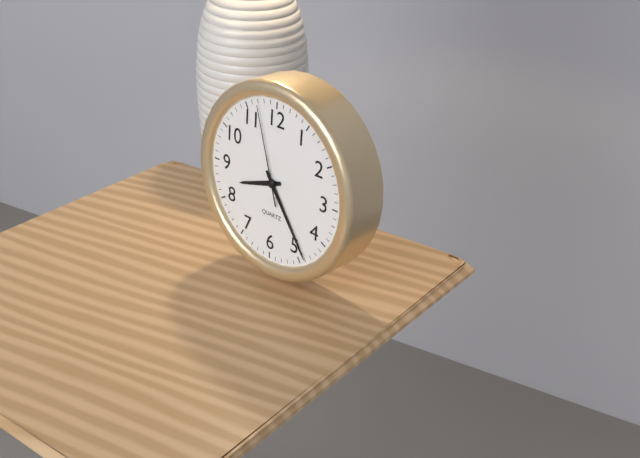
8:24:57
